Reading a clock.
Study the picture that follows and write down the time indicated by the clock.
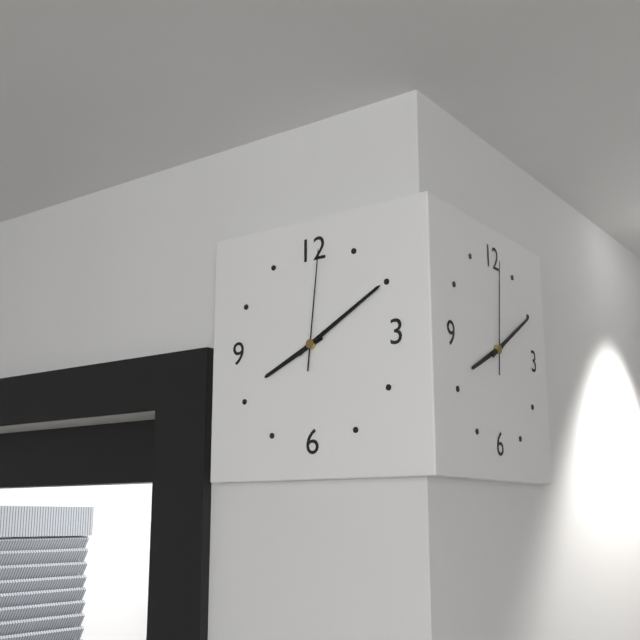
8:10:01
